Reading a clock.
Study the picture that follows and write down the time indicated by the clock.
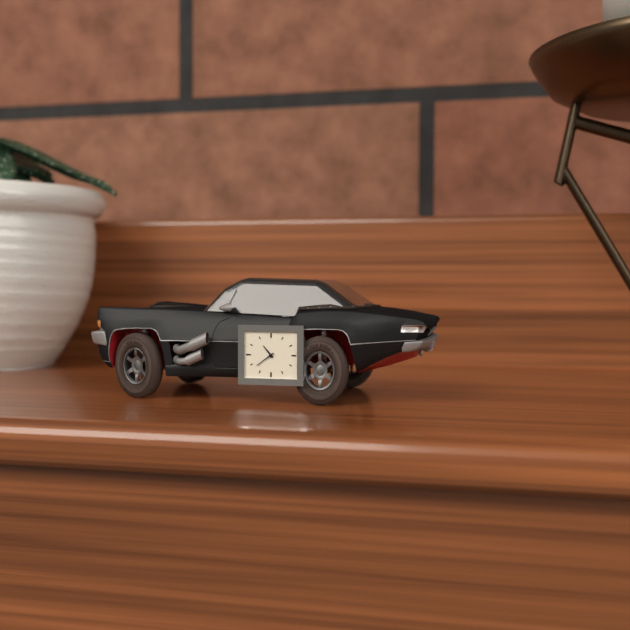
10:39
